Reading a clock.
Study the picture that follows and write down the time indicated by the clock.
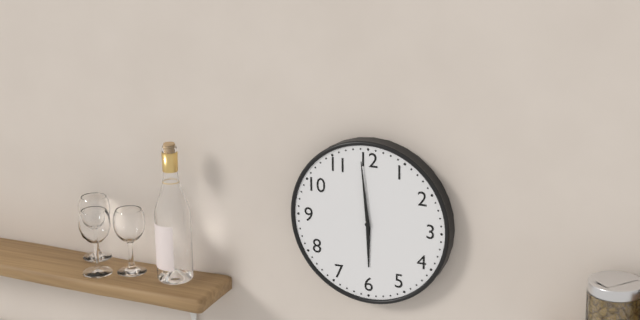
5:59
